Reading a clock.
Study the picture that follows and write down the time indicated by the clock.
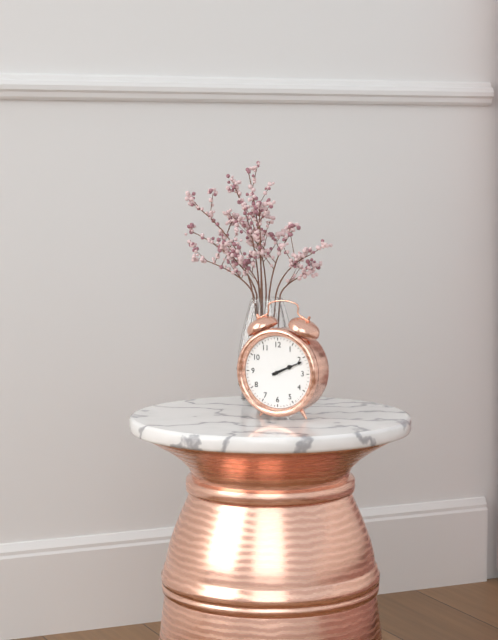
2:11
